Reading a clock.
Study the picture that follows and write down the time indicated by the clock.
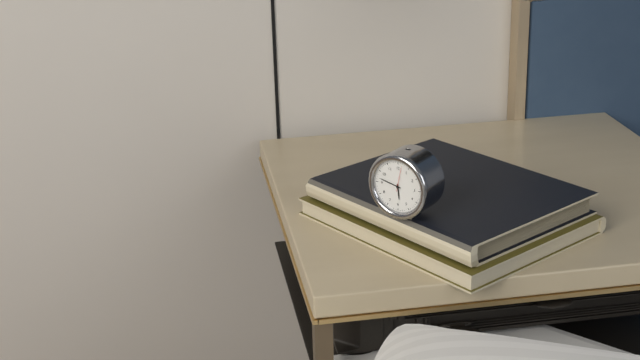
5:47
